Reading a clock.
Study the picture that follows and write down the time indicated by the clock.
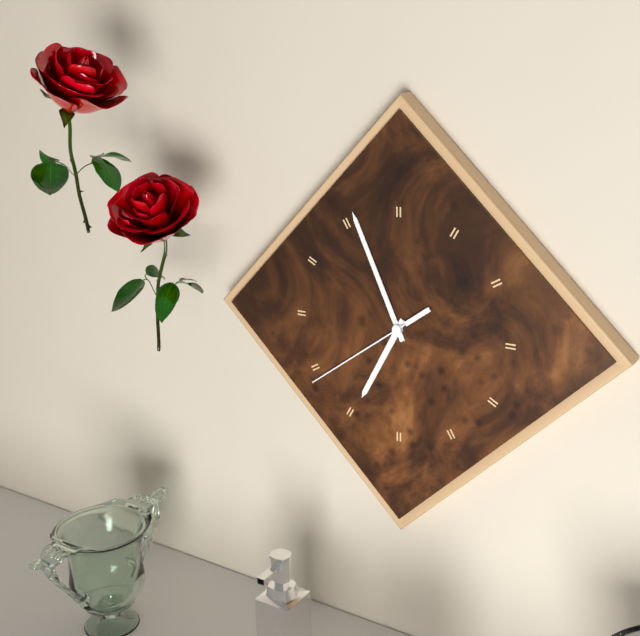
6:56:39
